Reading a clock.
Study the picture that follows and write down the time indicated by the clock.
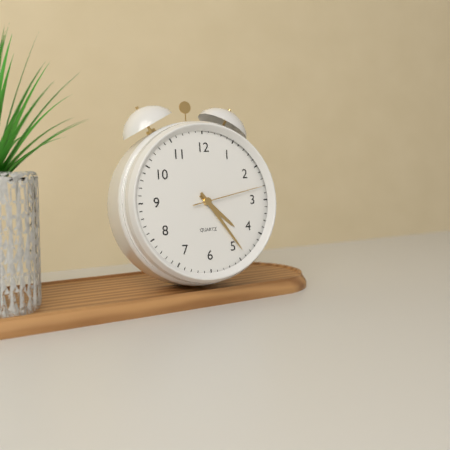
4:24:13
